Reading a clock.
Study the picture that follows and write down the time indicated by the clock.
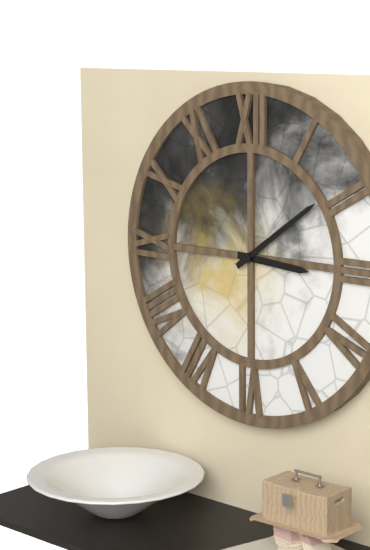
3:09
